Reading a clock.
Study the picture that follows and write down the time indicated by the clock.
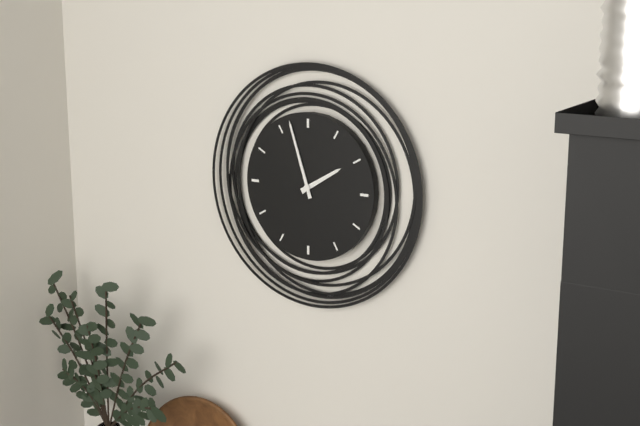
1:57
